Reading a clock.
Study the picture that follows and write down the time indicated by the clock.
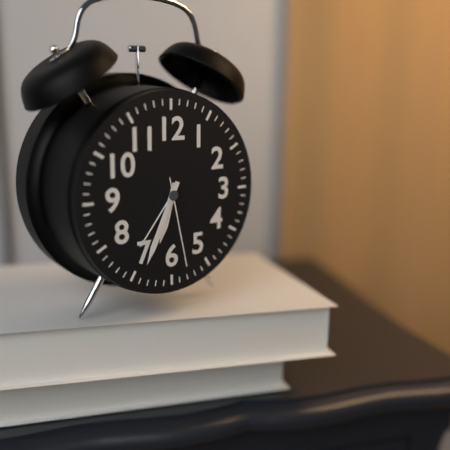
6:34:28
